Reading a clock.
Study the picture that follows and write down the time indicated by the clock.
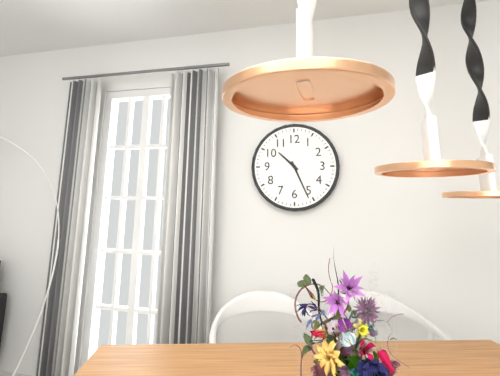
10:26
